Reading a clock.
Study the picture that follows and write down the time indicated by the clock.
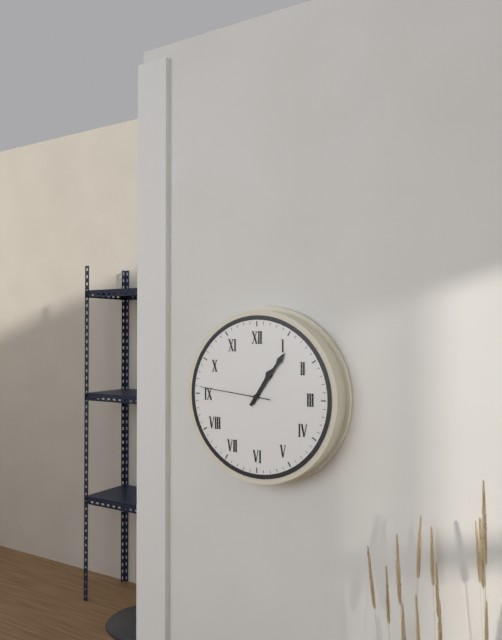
1:06:46
